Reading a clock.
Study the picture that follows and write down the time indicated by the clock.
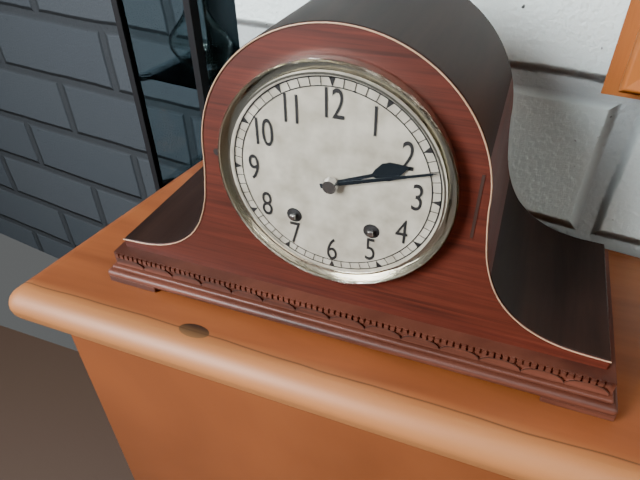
2:12
